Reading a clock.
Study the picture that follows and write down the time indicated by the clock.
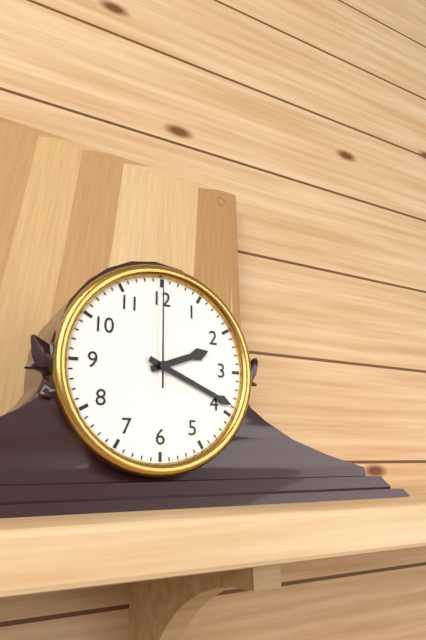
2:19:00
